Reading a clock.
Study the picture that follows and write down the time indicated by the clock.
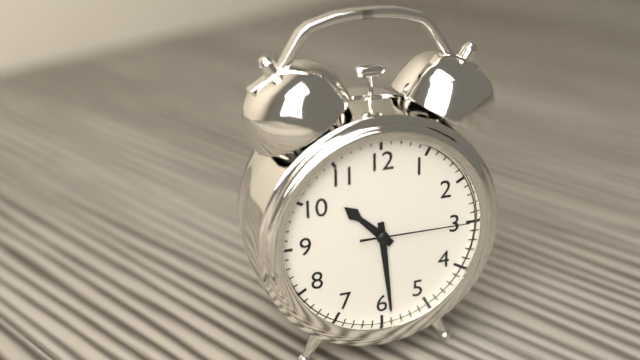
10:29:15
